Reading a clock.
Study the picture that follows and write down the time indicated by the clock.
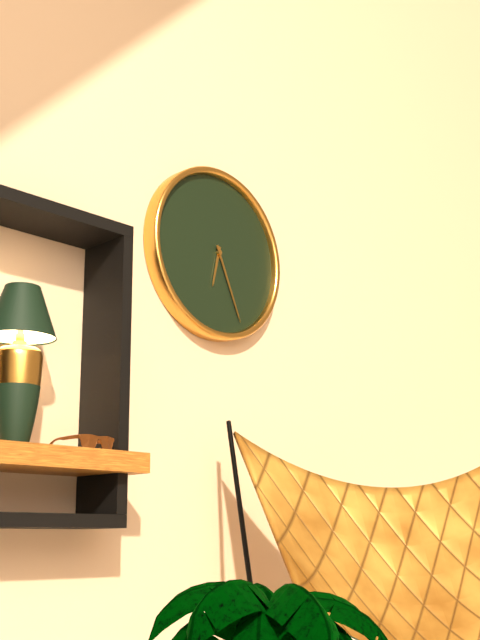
6:26
